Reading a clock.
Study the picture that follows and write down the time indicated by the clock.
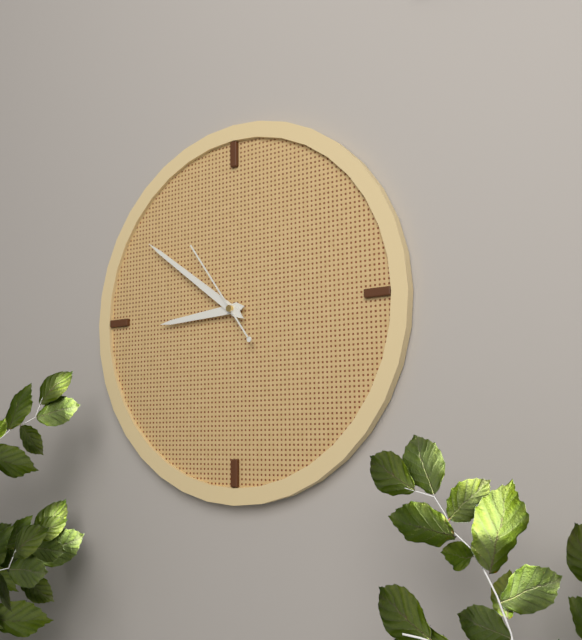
8:51:54
